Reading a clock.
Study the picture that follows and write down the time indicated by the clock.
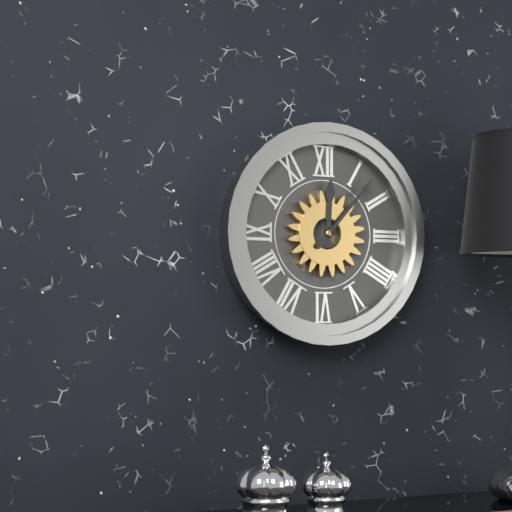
12:07
